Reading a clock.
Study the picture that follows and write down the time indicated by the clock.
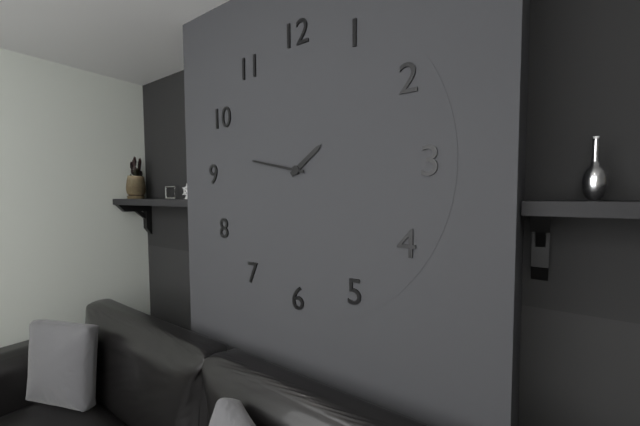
1:47
